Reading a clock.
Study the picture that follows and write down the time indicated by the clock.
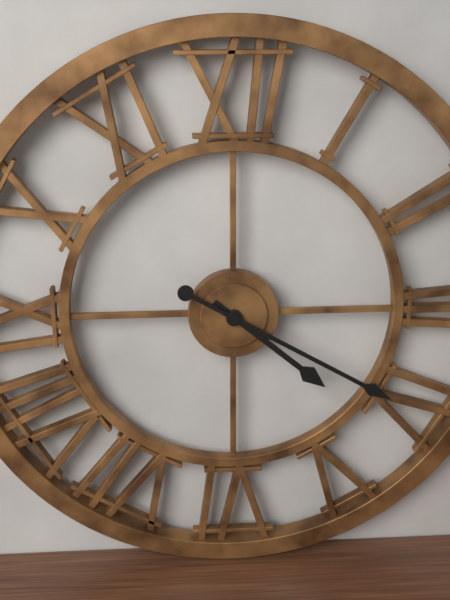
4:20
